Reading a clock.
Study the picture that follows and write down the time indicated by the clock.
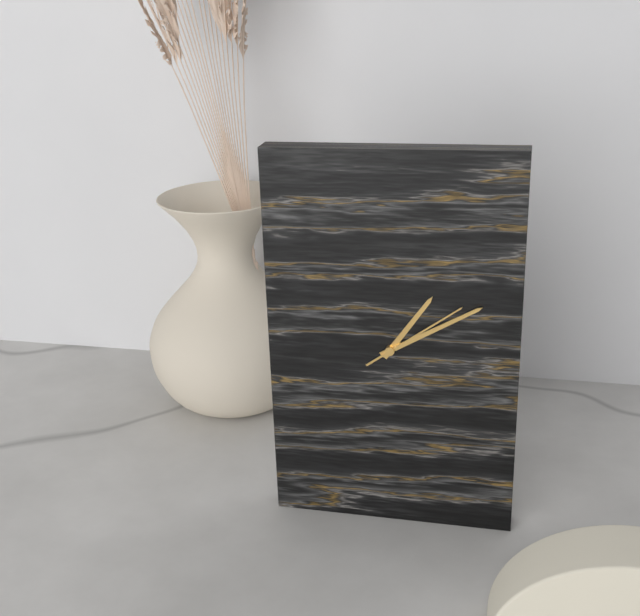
1:10:09
